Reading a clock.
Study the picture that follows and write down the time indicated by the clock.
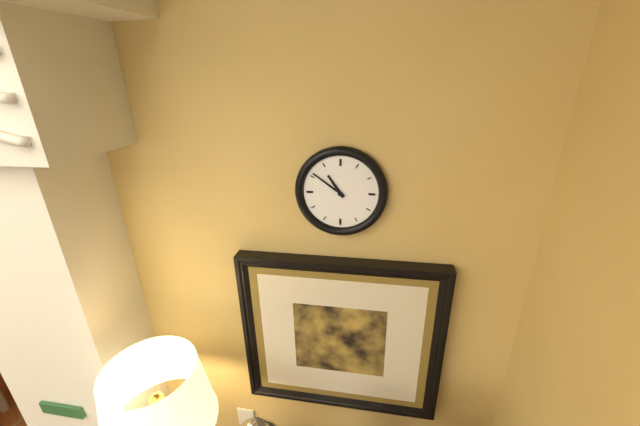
10:51
